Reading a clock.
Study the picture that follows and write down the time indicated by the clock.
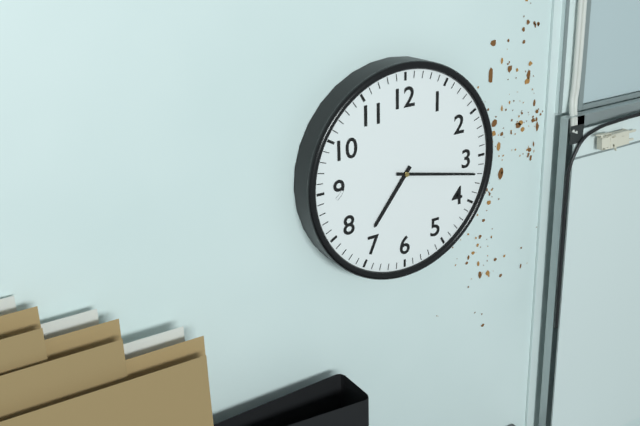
7:17
